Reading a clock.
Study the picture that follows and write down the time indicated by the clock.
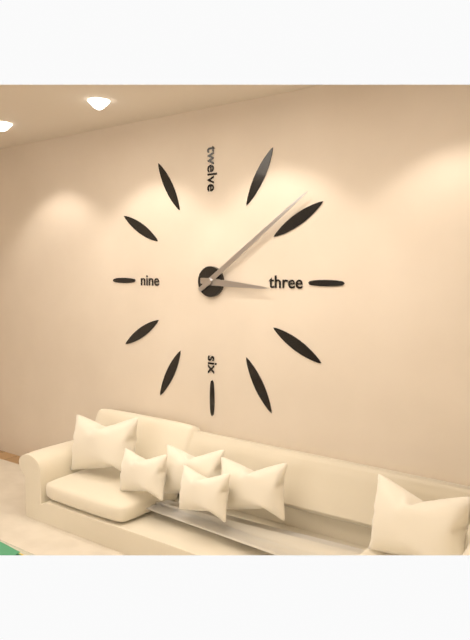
3:09
